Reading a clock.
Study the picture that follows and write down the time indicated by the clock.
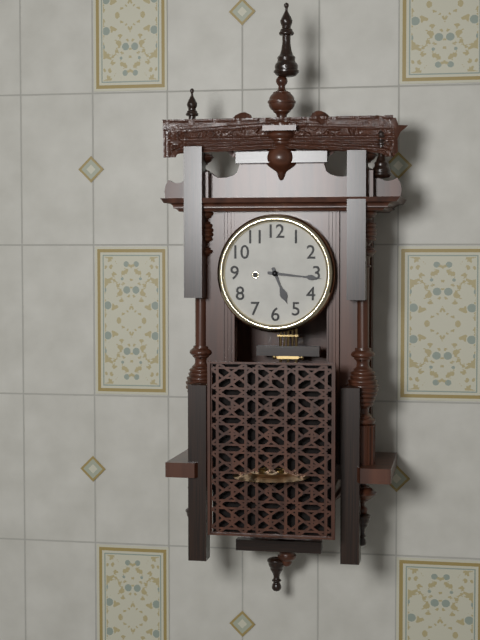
5:16
